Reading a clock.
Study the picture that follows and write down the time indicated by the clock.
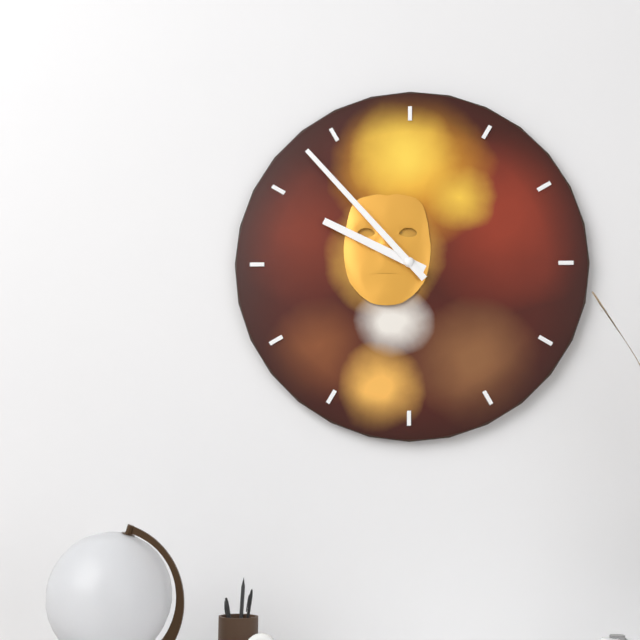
9:53
